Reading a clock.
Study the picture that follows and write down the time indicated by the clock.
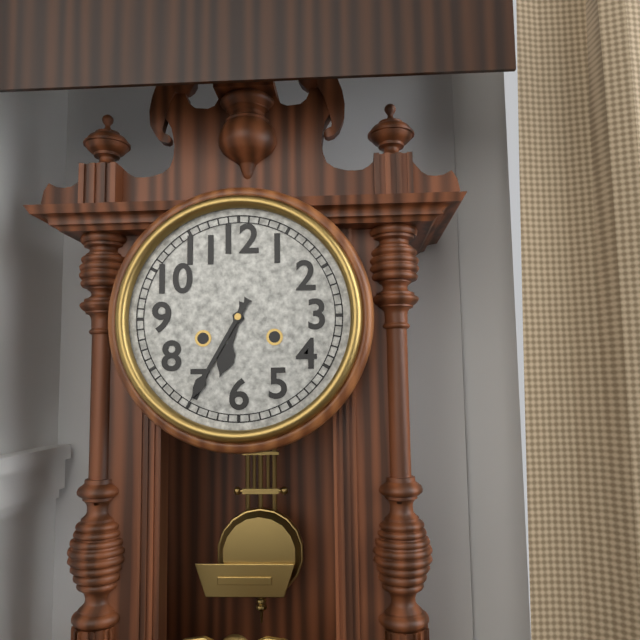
6:35
